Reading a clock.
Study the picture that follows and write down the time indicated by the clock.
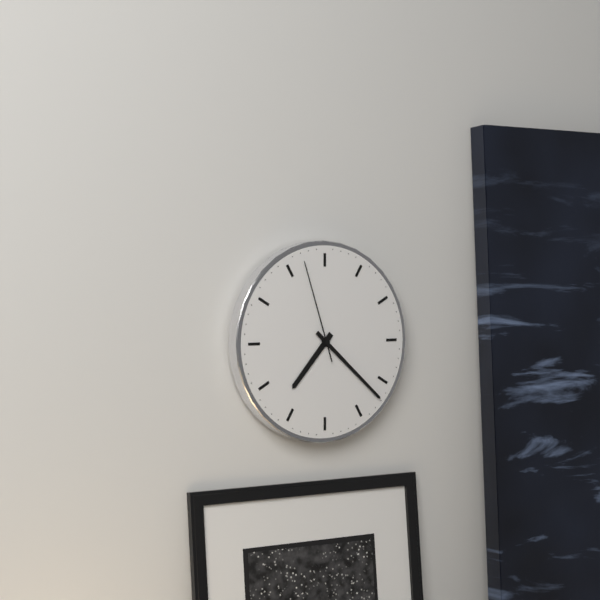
7:22:57
